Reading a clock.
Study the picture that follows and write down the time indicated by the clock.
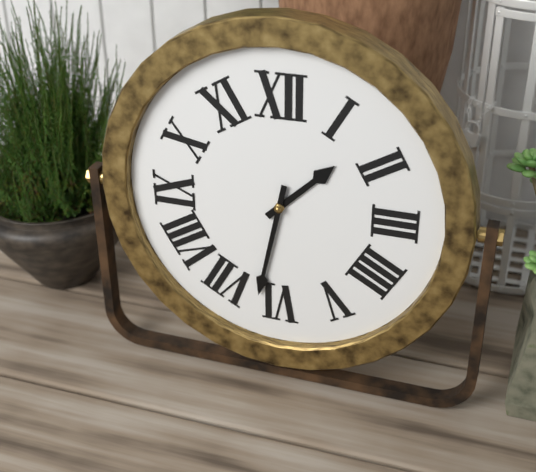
1:32
